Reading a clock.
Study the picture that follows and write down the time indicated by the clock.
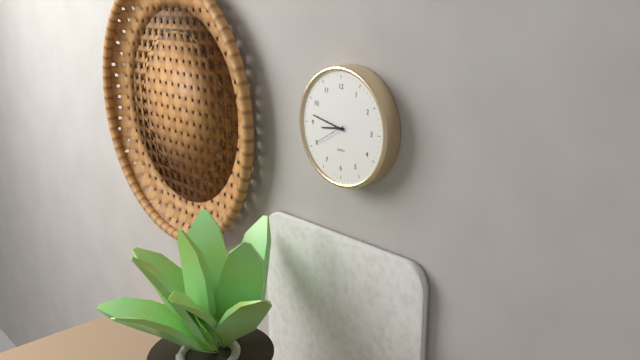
8:47
